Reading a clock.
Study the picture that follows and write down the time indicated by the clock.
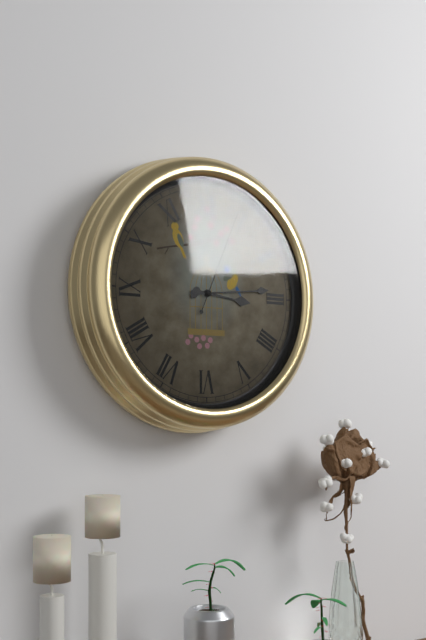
3:14:04
